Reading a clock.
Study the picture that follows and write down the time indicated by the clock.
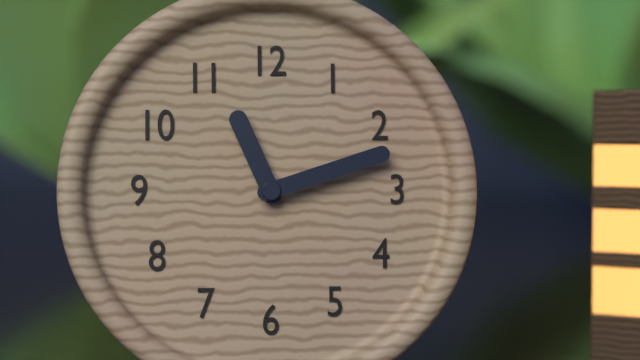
11:12
